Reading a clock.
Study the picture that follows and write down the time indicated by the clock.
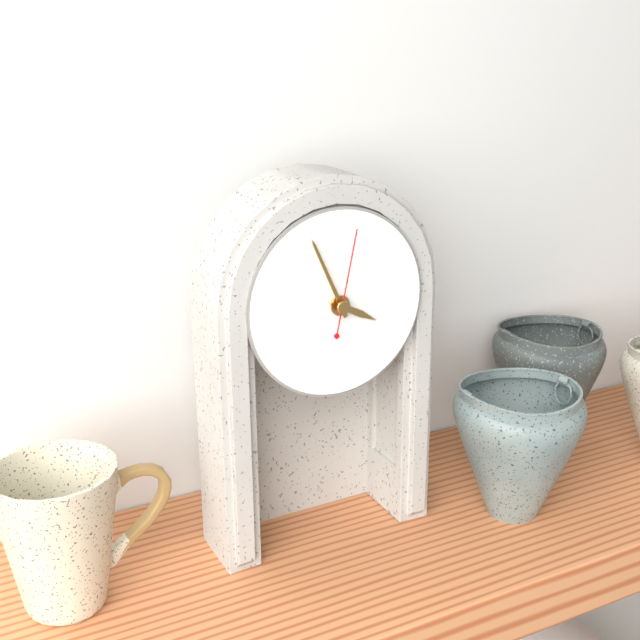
3:56:02
